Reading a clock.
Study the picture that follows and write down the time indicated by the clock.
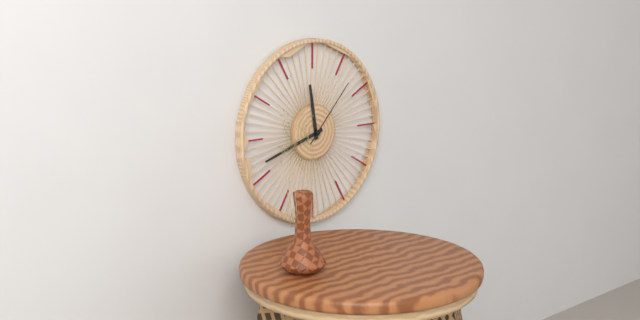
11:42:07
